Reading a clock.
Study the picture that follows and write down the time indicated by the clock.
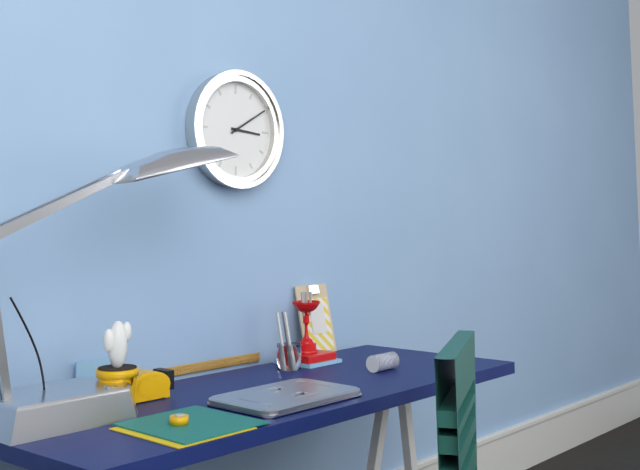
3:10
